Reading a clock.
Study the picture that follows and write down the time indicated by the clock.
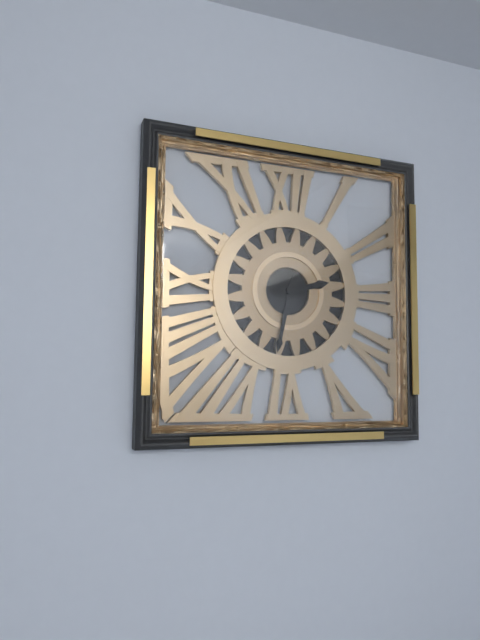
2:32
